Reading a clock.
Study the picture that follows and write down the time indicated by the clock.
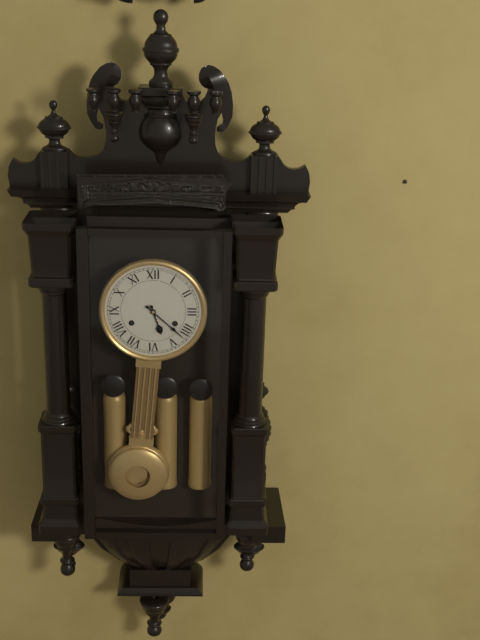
5:22
